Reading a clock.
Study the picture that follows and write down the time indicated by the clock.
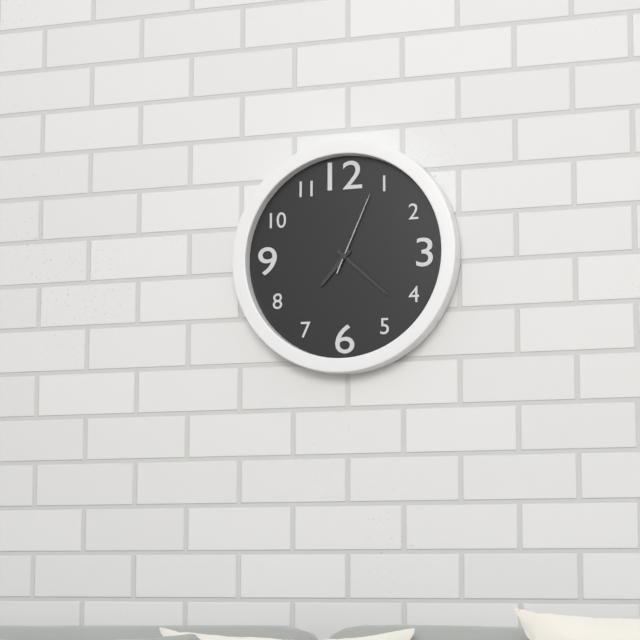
7:22:04
